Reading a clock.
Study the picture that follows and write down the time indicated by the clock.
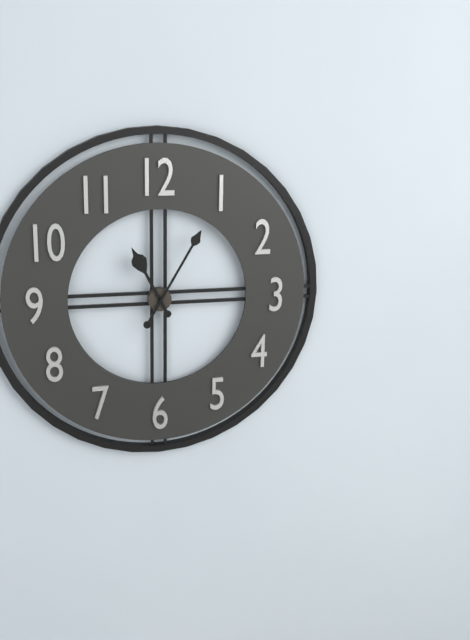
11:05
